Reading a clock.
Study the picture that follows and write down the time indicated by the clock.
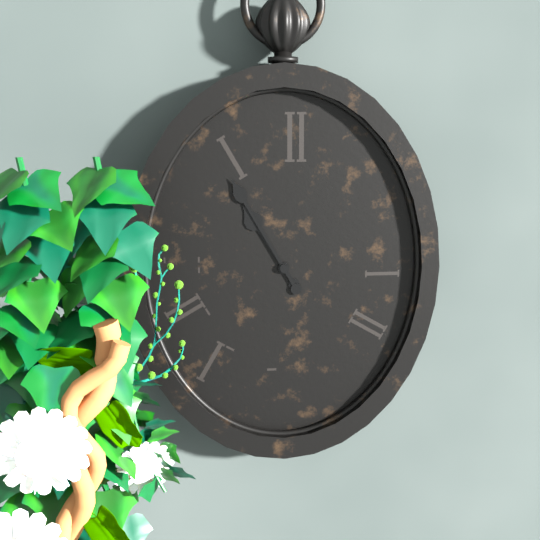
10:55
